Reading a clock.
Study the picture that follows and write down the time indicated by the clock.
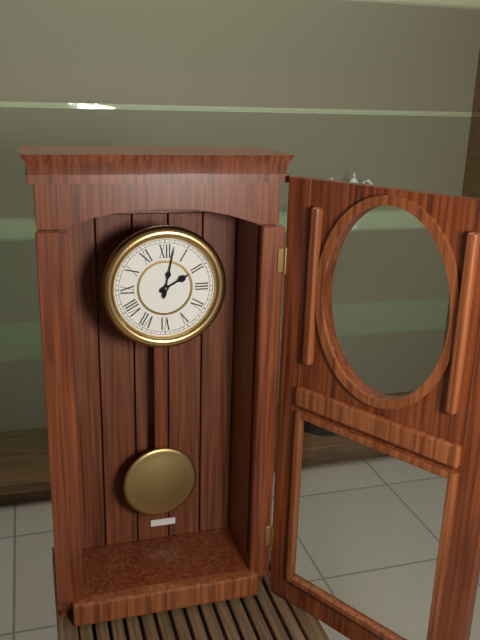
2:02
